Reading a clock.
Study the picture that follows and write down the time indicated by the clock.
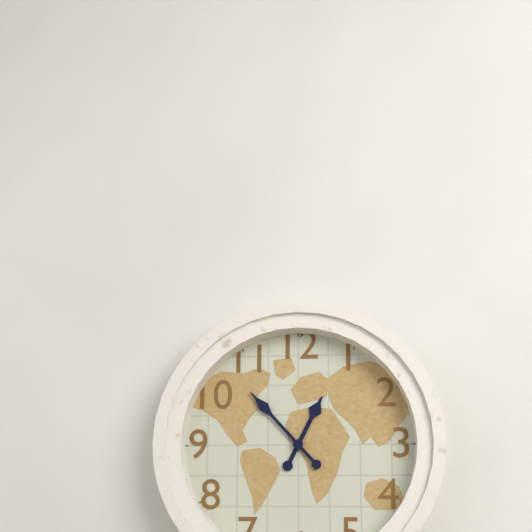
12:53
